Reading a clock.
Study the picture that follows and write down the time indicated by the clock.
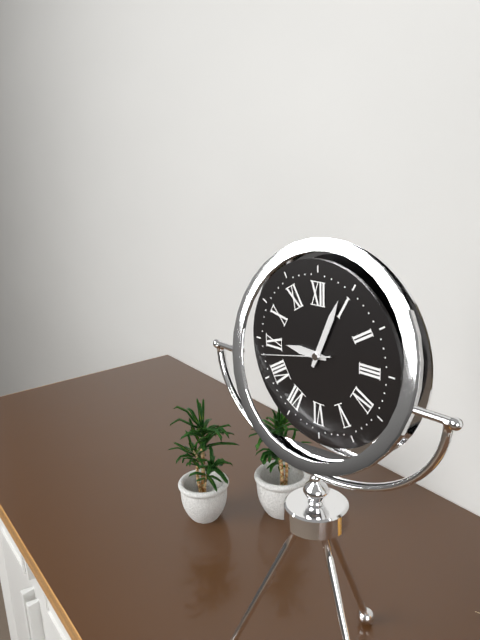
9:04:43
